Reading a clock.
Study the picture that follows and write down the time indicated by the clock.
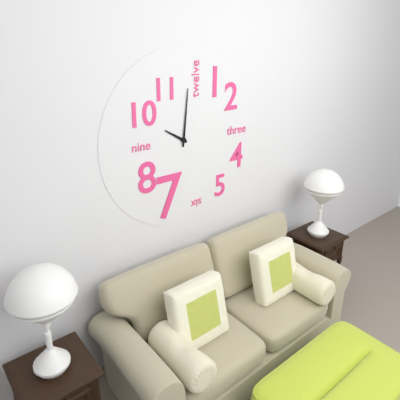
10:01
